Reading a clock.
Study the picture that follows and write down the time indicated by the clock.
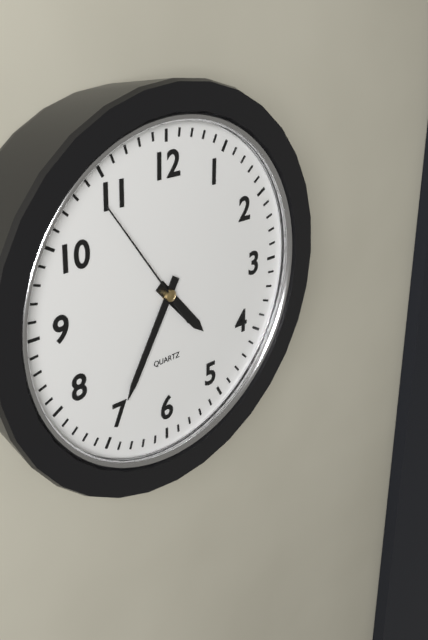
4:35:54
